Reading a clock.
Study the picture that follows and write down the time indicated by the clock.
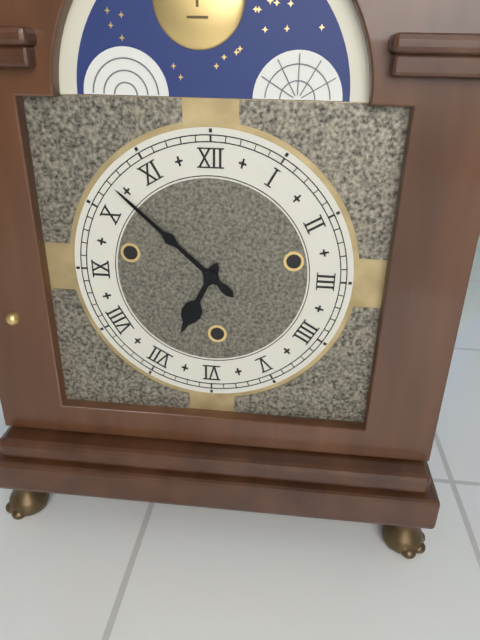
6:52
